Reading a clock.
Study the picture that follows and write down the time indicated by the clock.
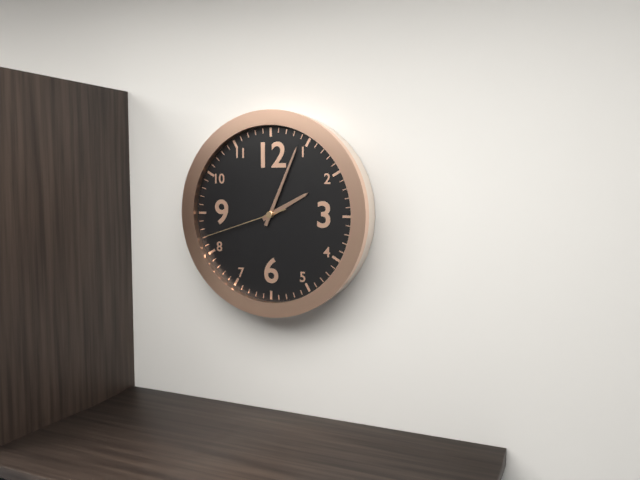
2:04:42
